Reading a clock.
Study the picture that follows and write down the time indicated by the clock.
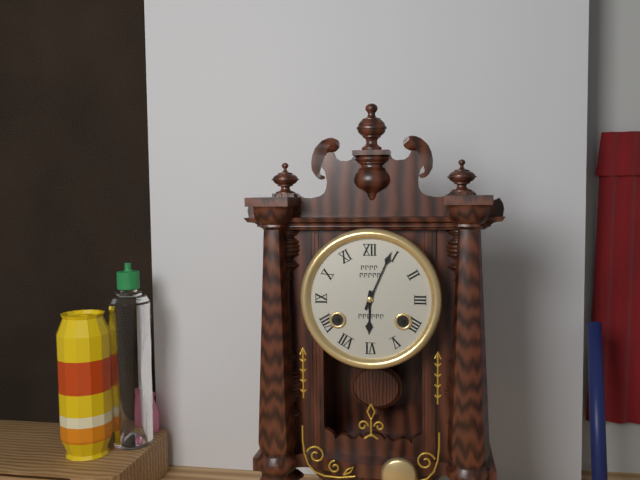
6:04
